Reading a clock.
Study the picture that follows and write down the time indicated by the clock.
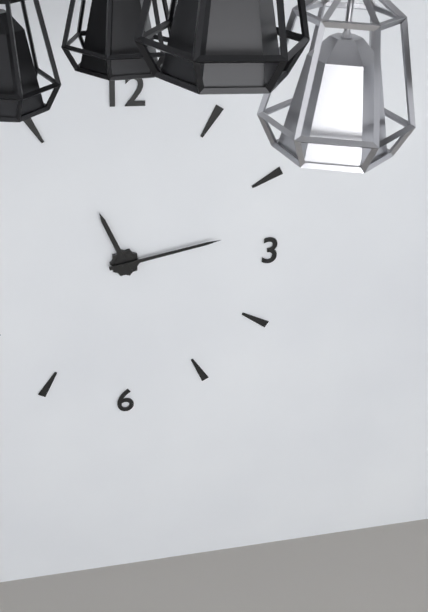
11:13
